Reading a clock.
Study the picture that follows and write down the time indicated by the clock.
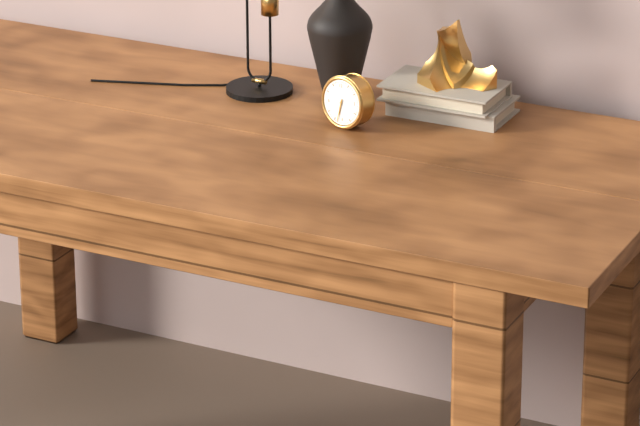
6:33
